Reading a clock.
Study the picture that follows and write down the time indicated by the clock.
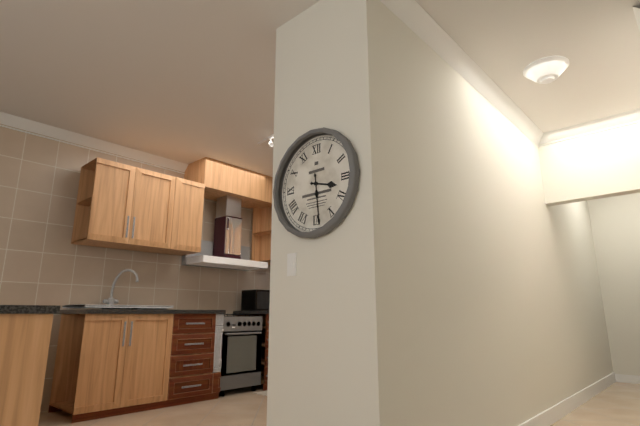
3:29
